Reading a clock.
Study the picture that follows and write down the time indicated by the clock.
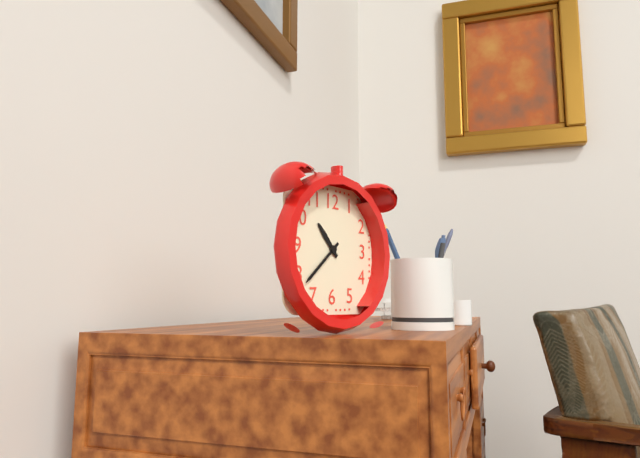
10:38
